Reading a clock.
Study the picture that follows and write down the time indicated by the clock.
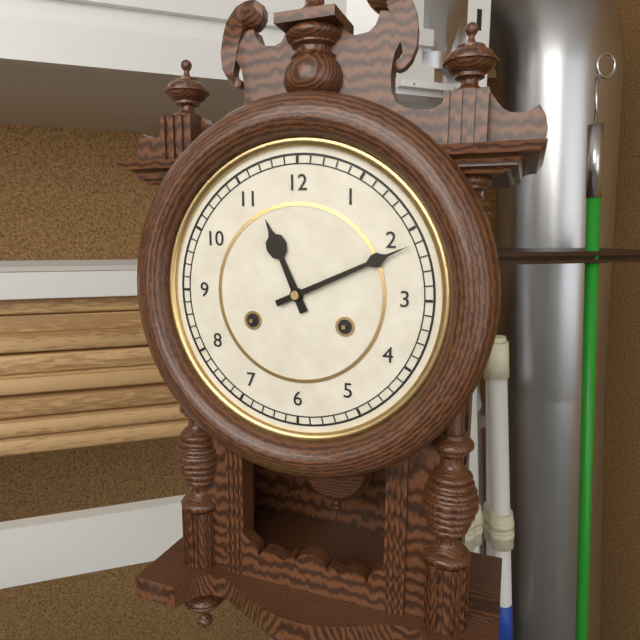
11:11
